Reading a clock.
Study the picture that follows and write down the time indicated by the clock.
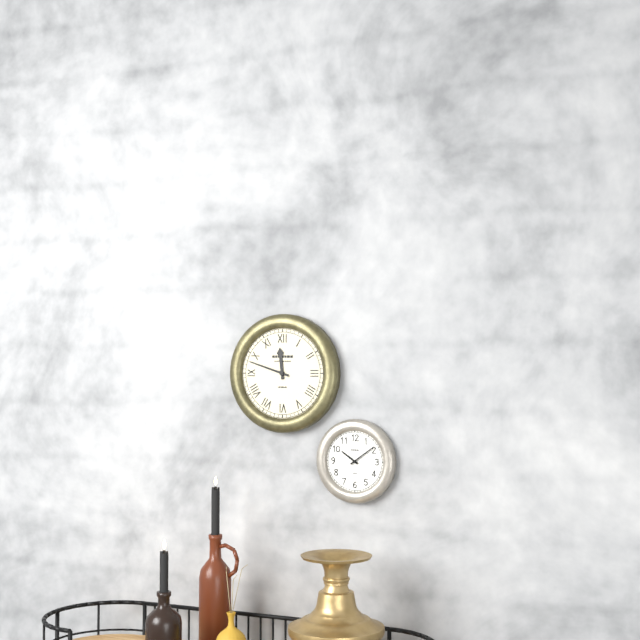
11:48
